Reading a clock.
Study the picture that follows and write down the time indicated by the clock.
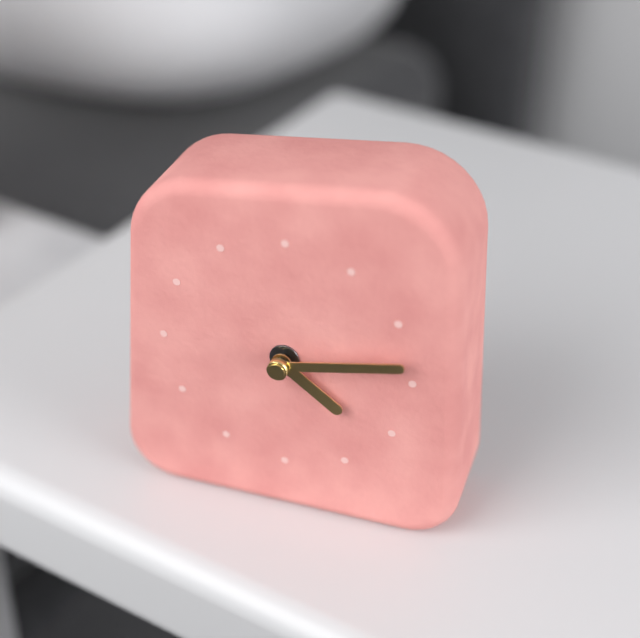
4:13
